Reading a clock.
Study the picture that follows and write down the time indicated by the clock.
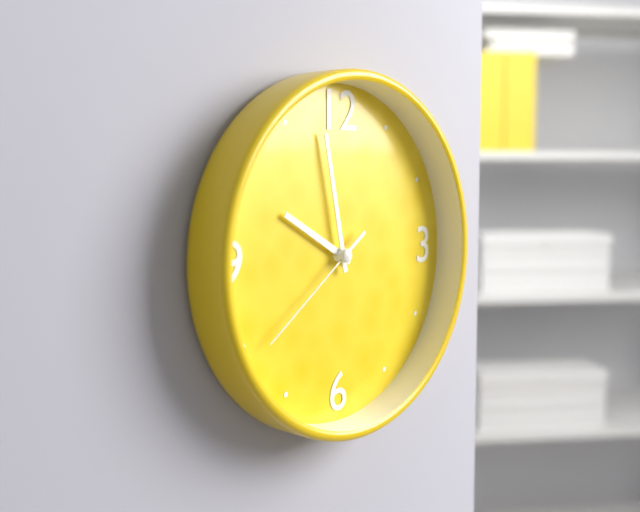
9:58:39
